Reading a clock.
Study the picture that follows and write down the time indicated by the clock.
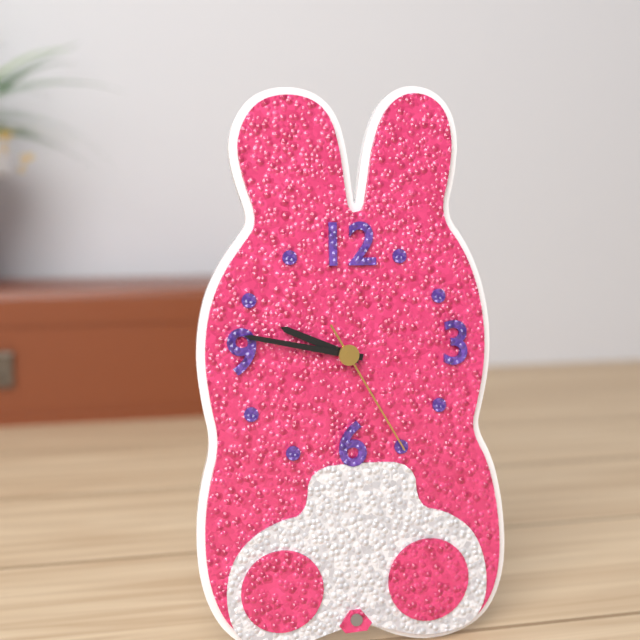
9:47:25
